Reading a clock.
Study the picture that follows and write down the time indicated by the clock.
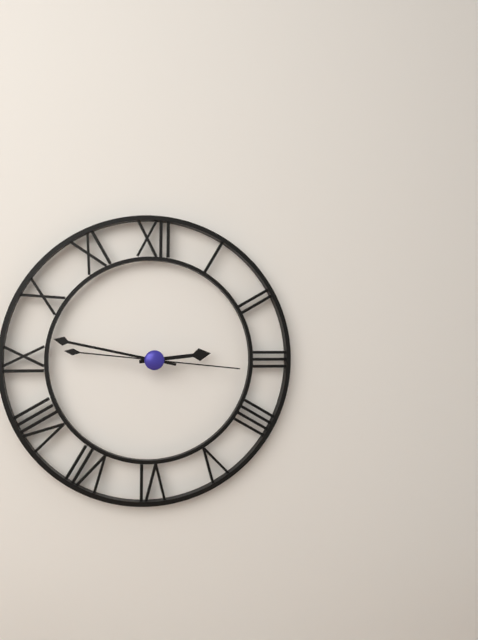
2:47:16
